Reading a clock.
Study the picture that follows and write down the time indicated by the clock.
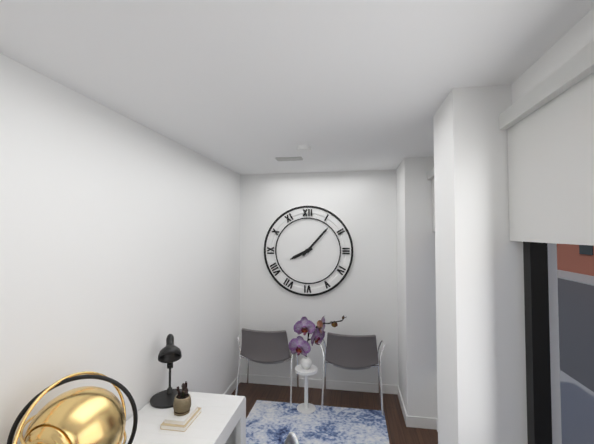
8:07
